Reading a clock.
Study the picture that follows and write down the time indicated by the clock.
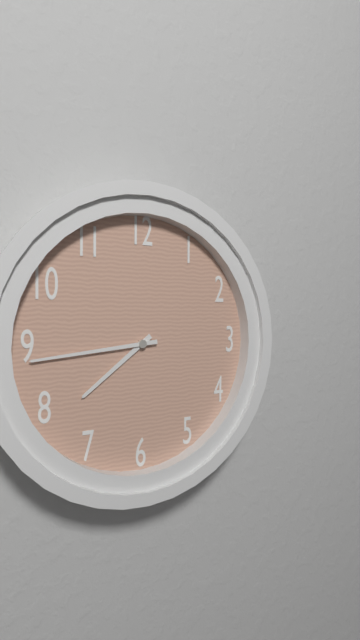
7:44
